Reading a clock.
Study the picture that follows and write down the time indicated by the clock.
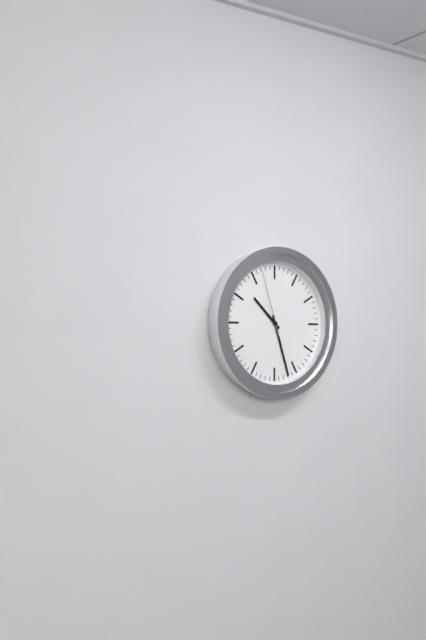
10:27:57
